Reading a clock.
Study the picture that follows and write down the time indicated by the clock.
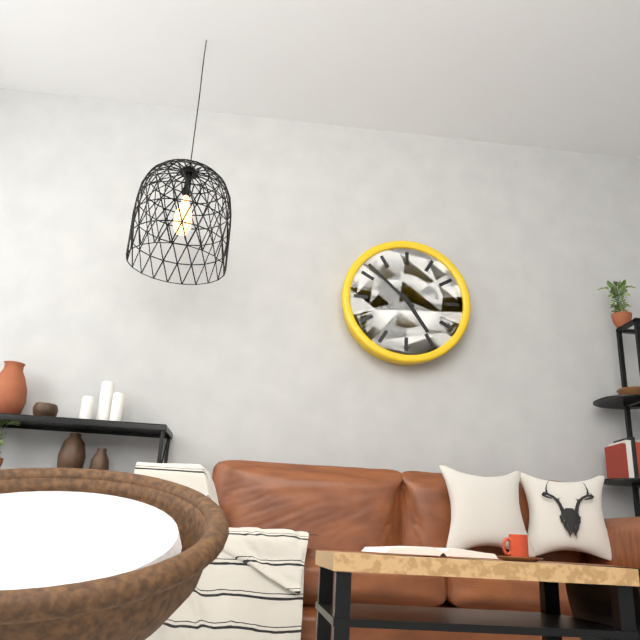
4:52
